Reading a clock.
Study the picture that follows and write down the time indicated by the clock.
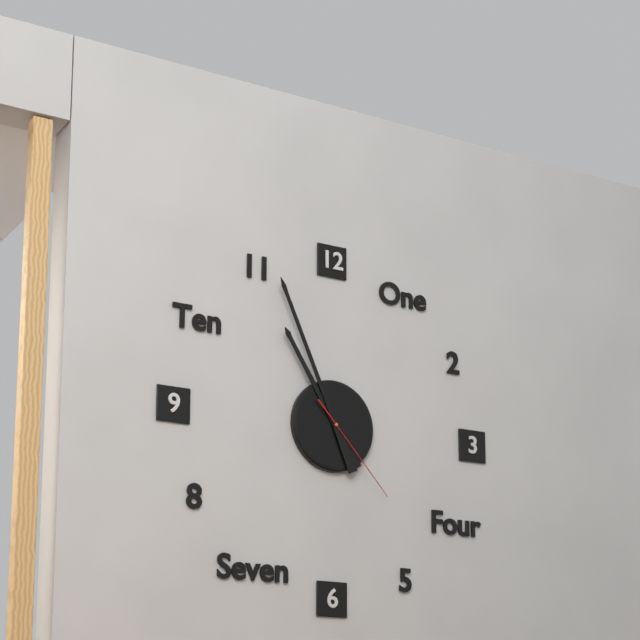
10:56:23
